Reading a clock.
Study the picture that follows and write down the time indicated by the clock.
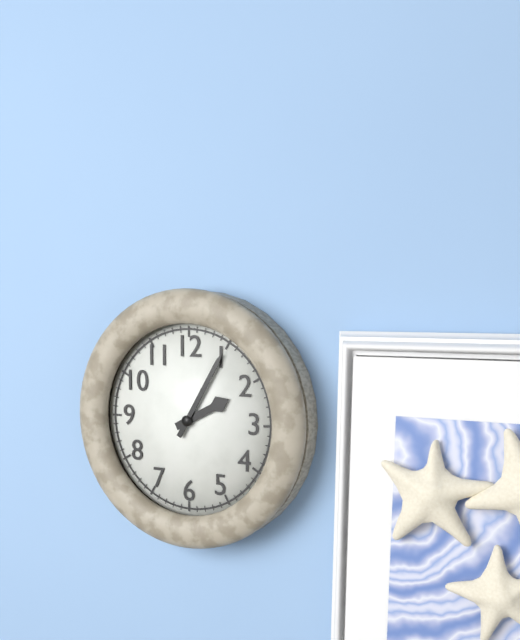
2:05
